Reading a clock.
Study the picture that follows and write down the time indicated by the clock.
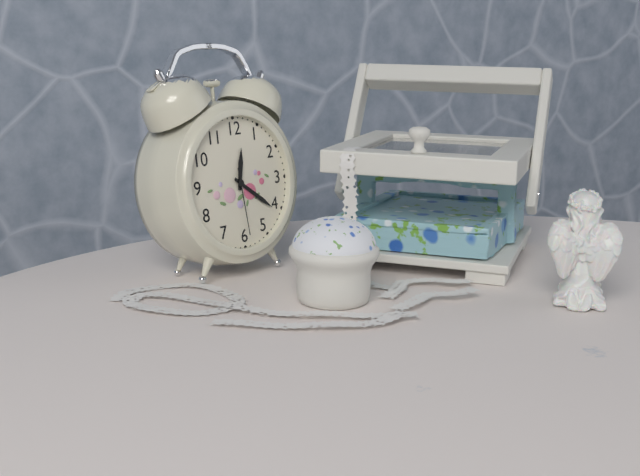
12:21:29
